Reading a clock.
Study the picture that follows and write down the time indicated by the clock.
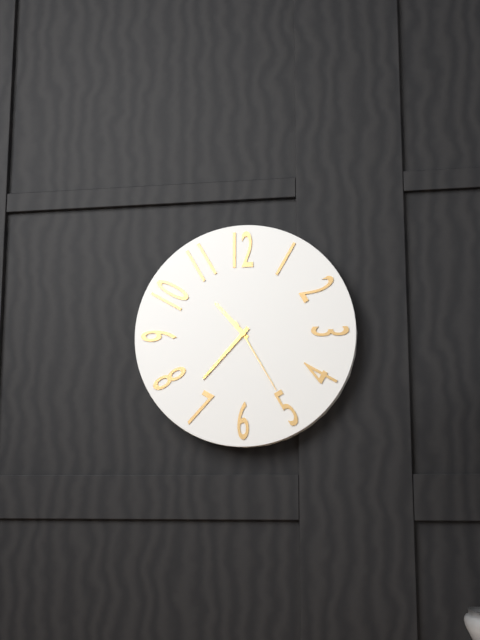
10:37:25
